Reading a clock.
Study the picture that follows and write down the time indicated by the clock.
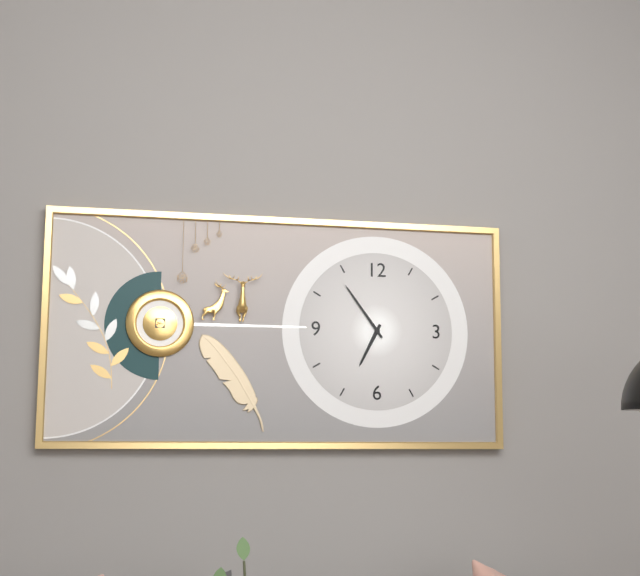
6:54
